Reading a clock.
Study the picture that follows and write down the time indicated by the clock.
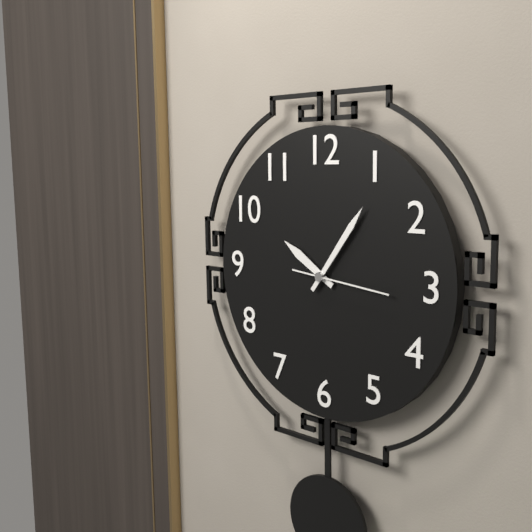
10:06:16
